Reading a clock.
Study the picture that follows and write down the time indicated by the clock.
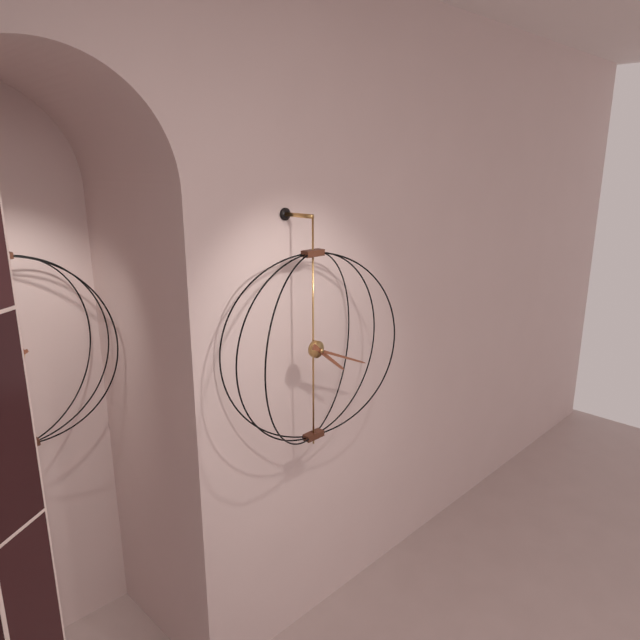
4:19
